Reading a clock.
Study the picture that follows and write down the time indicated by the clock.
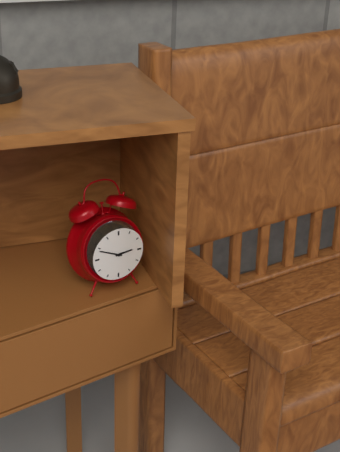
2:49
